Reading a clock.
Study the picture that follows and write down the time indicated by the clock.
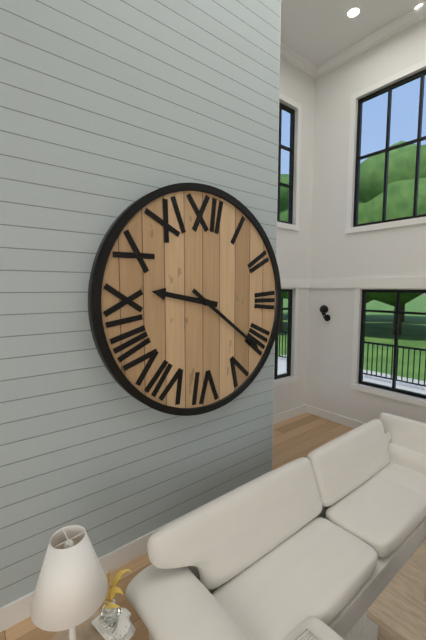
9:21
